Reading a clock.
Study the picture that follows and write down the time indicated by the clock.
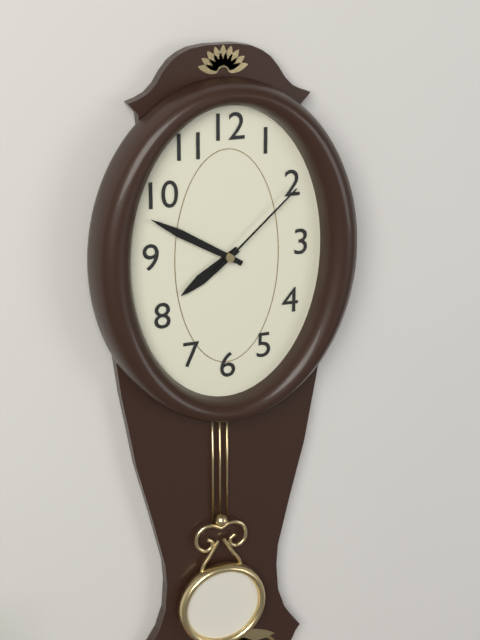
7:50:08
